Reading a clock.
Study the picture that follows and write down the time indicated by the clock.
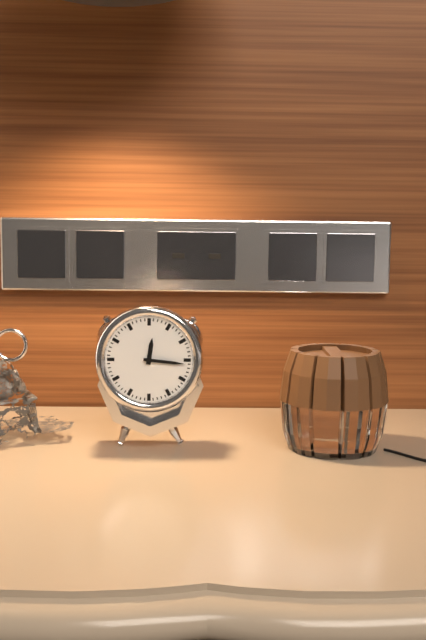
12:16
